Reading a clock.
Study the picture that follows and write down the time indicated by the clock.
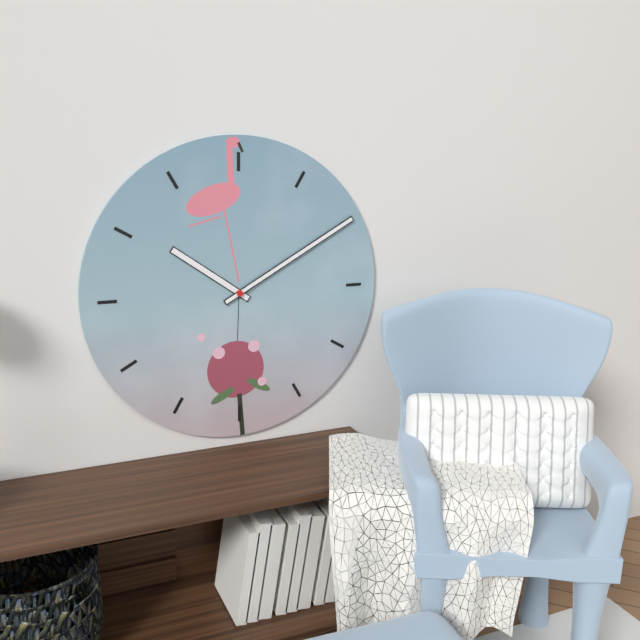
10:10
